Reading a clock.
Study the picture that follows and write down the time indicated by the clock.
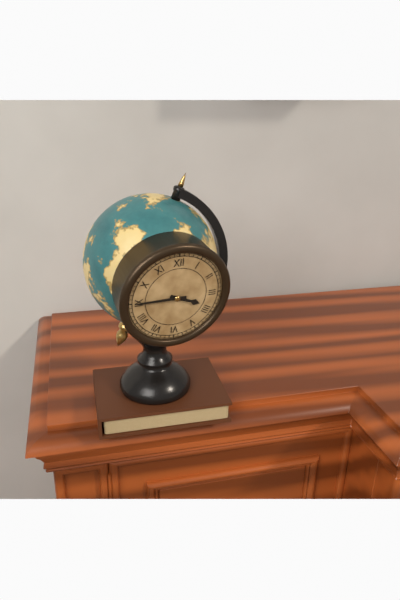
3:45
